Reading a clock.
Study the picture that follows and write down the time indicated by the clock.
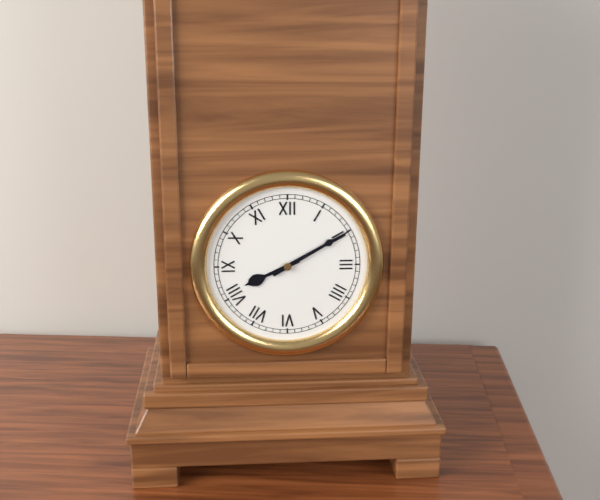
8:10
